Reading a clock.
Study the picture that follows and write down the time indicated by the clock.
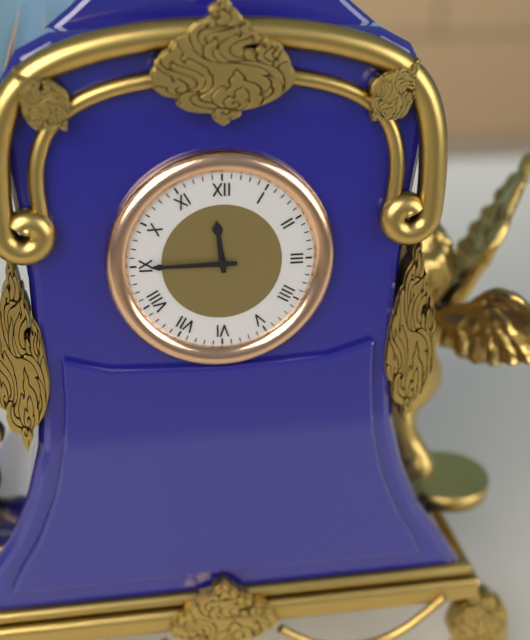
11:45
